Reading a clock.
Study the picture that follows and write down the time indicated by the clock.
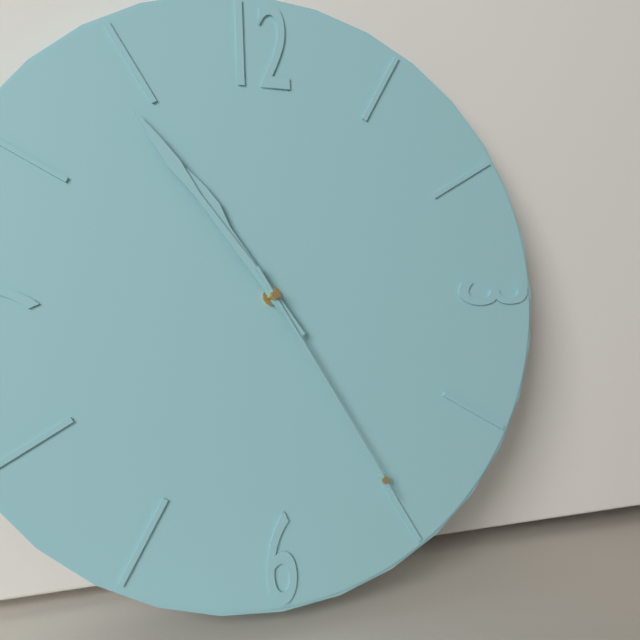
10:54:25
